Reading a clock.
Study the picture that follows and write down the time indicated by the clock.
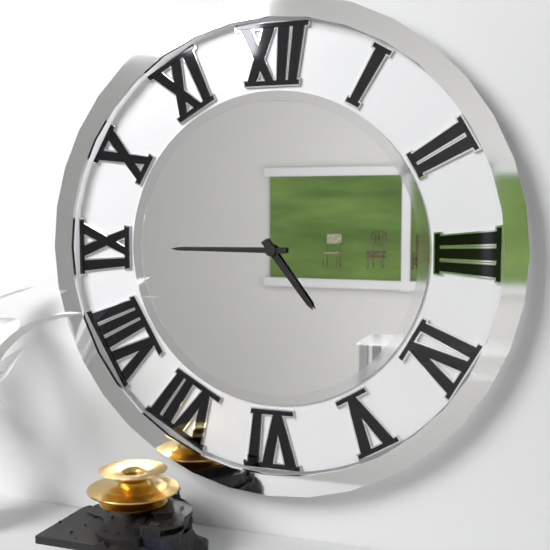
4:45
